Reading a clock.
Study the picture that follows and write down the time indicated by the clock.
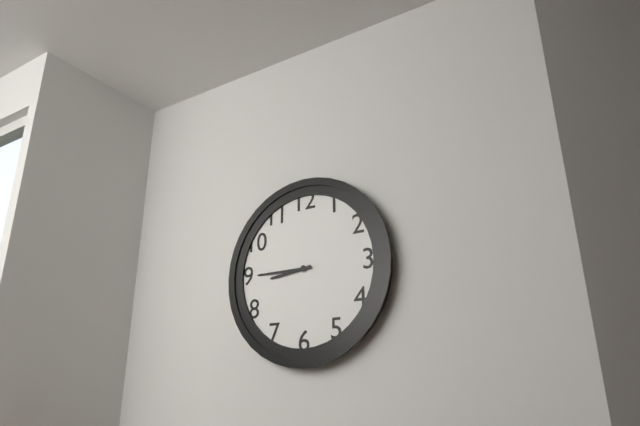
8:45
